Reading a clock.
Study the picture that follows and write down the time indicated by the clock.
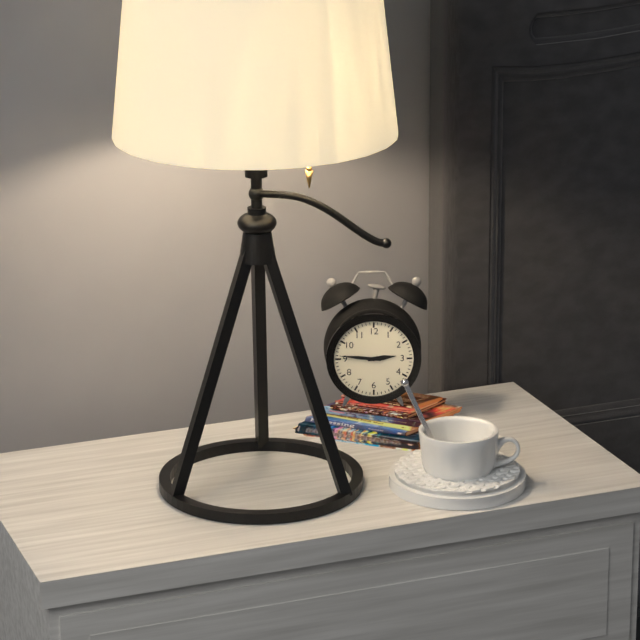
2:46
